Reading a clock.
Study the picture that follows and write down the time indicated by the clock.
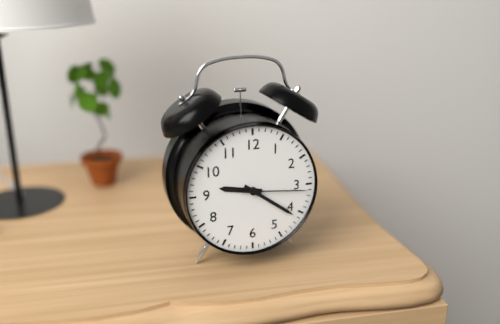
9:21:16
